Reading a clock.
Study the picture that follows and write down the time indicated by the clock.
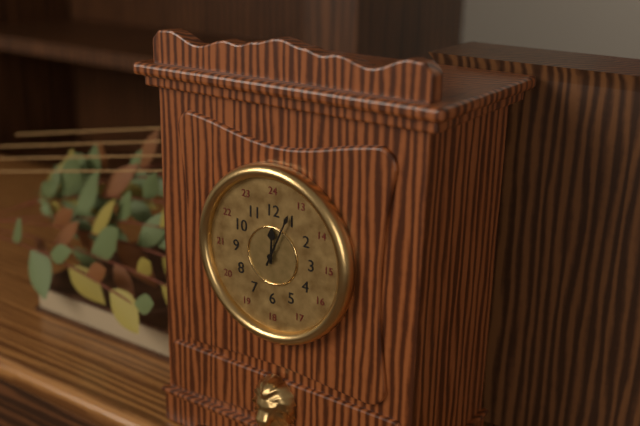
12:04
